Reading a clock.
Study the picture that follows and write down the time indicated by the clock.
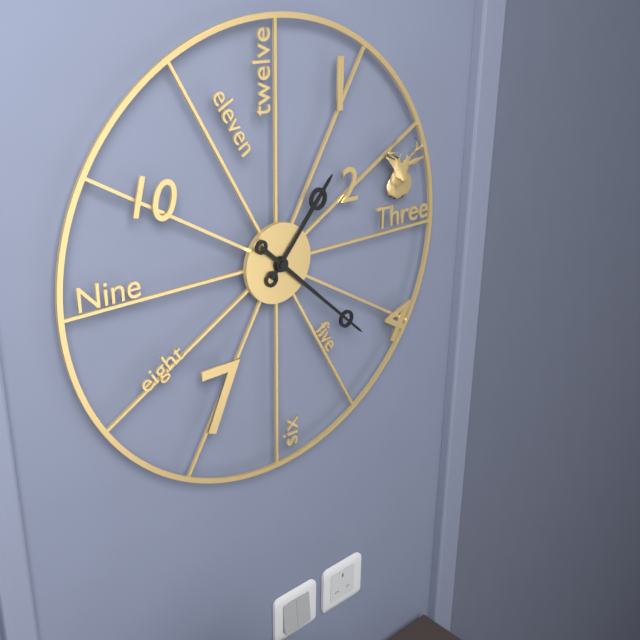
1:22
